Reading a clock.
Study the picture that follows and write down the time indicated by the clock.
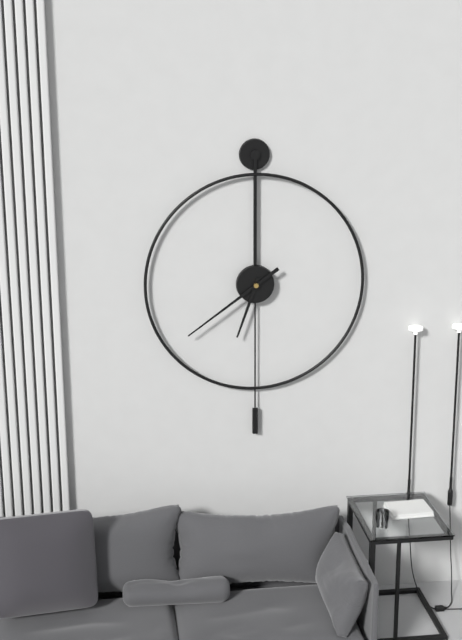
6:39
